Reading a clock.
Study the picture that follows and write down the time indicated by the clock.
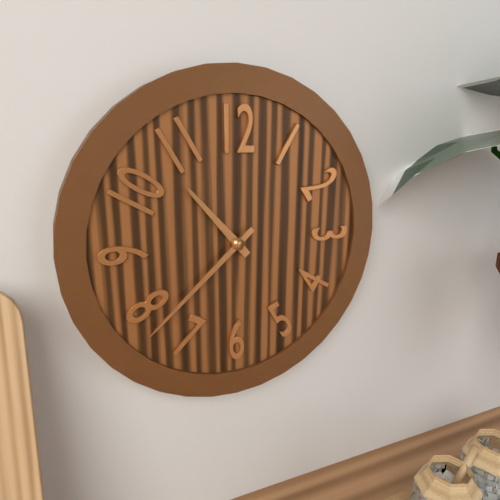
10:38
